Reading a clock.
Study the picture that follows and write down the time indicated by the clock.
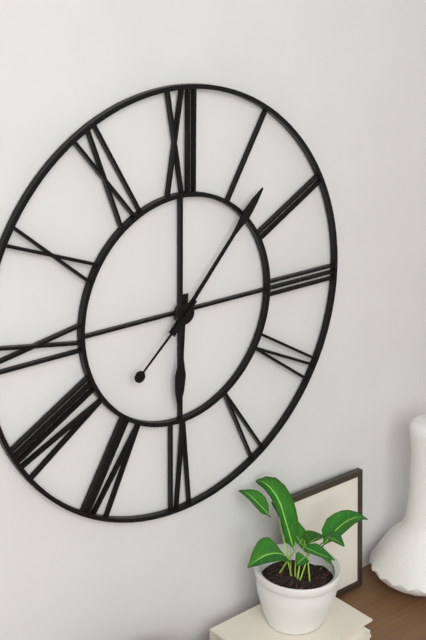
6:07:38
